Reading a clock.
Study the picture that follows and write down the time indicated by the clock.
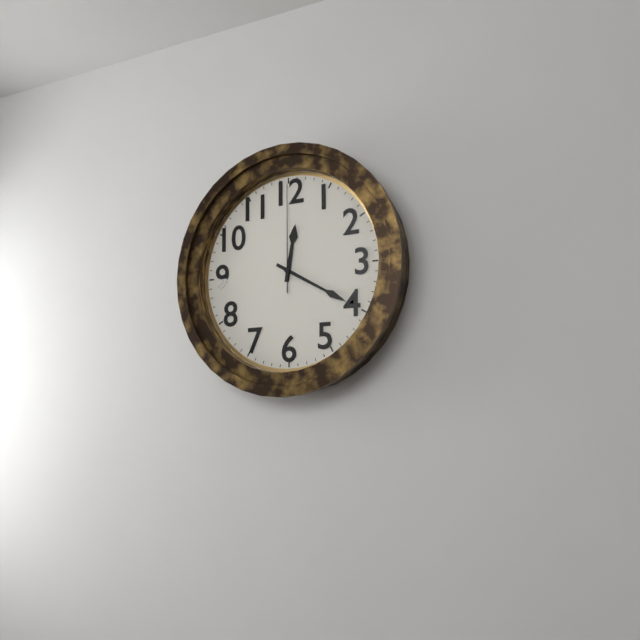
12:20:00
